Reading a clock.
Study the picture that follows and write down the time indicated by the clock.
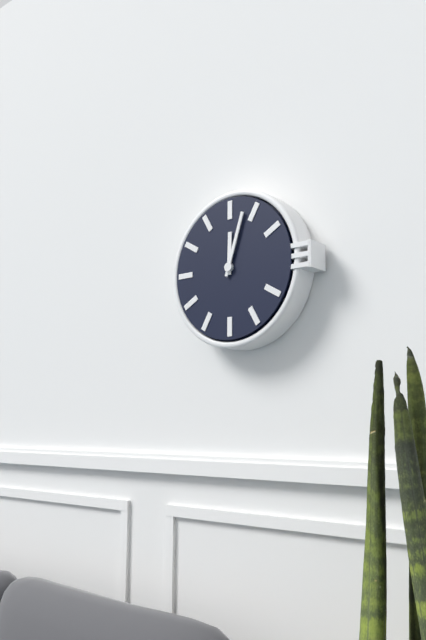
12:03
